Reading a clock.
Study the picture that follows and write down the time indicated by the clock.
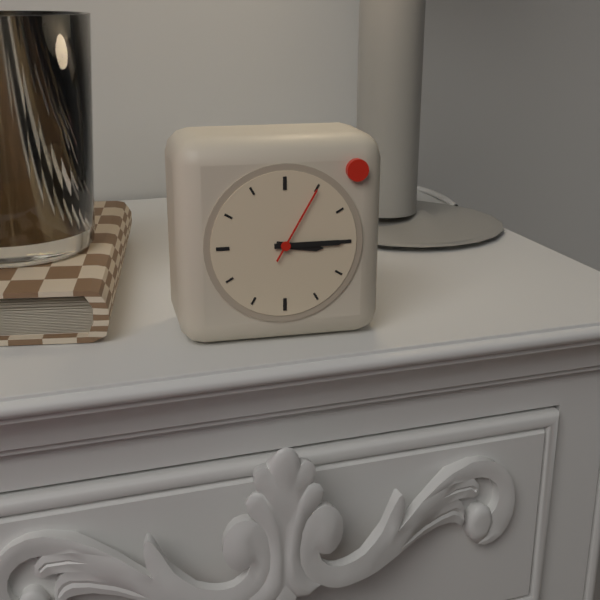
3:15:05
